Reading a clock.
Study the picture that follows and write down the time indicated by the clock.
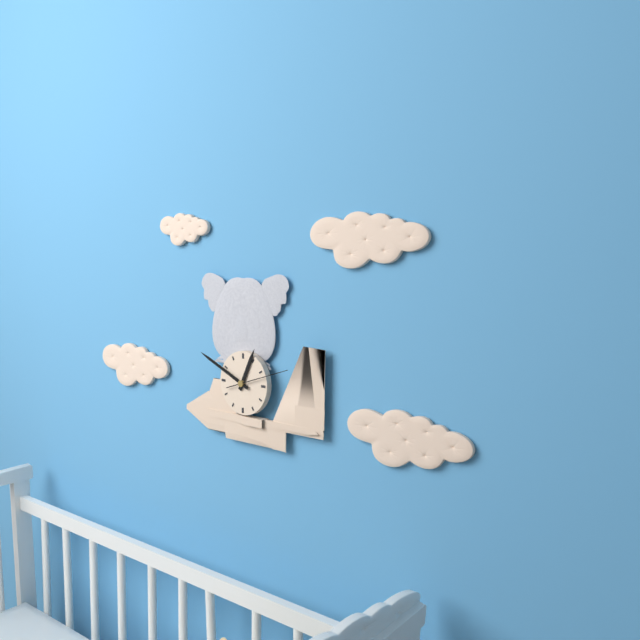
12:49:12
